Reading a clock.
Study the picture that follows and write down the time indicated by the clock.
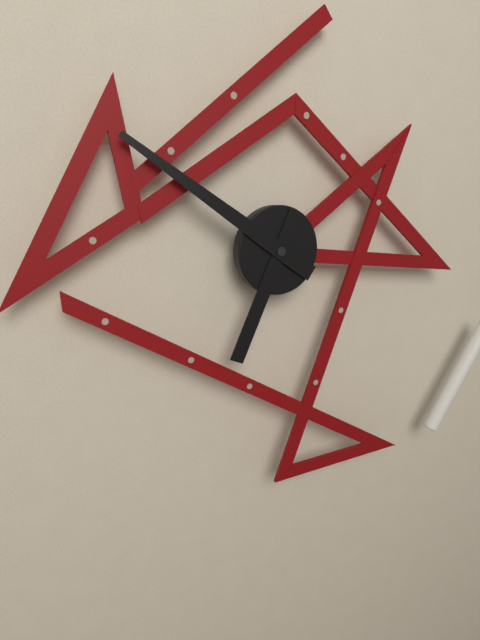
6:51
